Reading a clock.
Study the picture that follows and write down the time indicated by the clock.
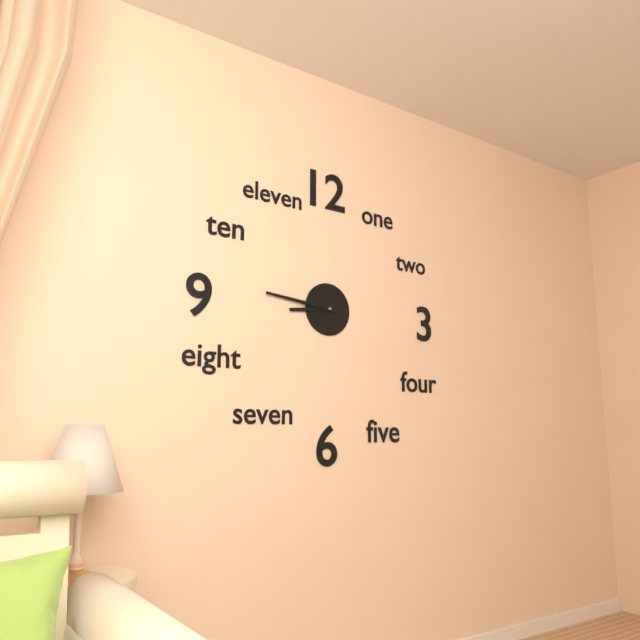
8:46
